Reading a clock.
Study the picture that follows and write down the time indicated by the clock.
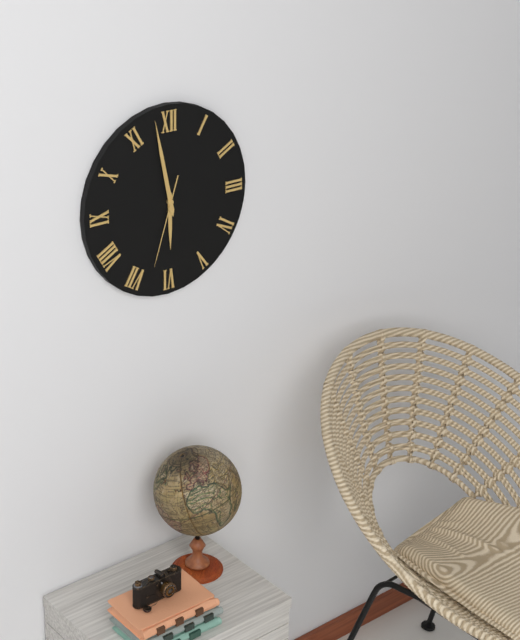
5:58:33
